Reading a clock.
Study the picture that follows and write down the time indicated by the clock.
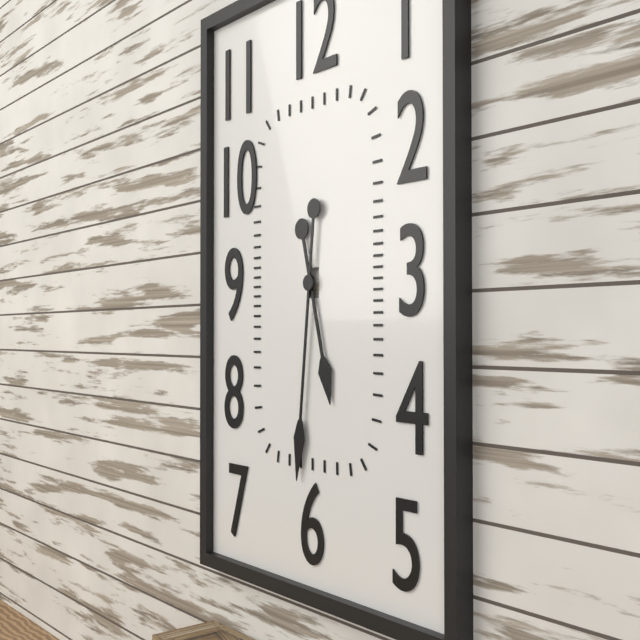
5:31
